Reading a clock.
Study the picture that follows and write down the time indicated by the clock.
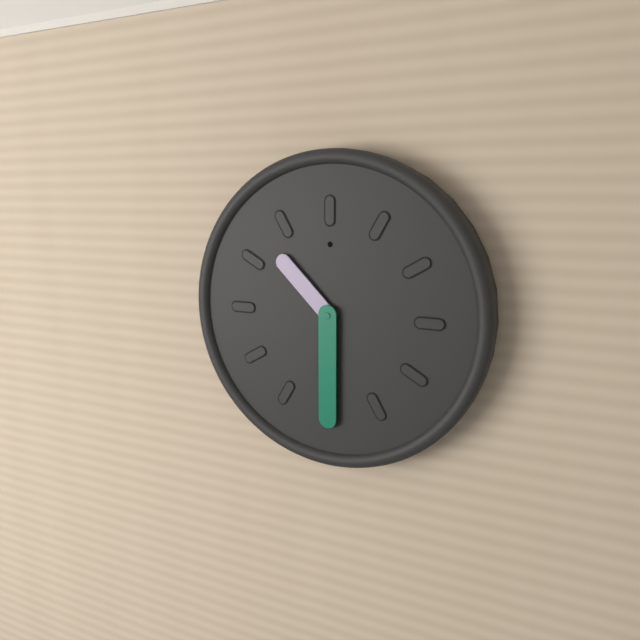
10:30
